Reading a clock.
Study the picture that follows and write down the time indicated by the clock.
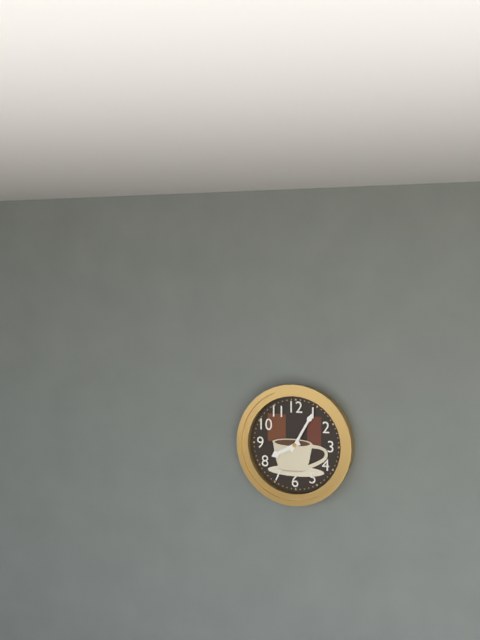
8:05
